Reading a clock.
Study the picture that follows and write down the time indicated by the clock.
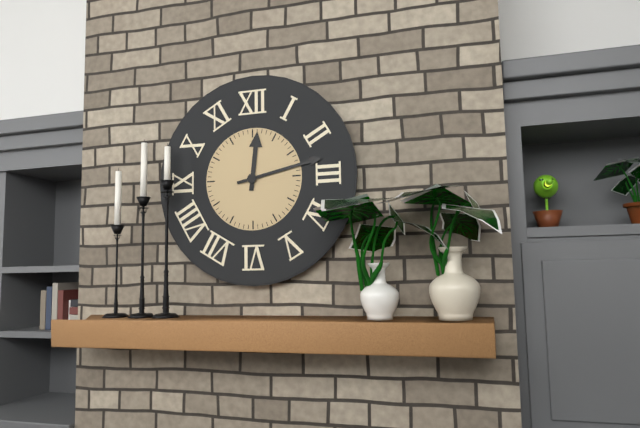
12:13
